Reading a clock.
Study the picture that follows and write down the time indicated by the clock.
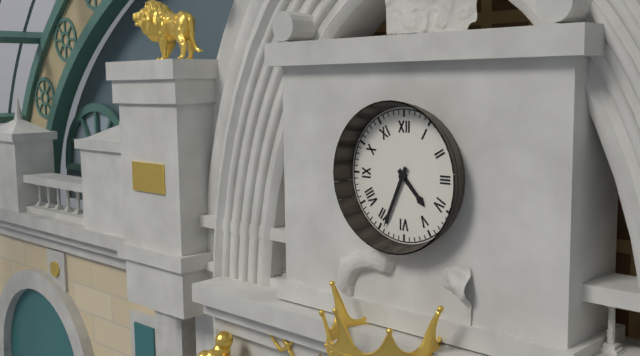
4:34
